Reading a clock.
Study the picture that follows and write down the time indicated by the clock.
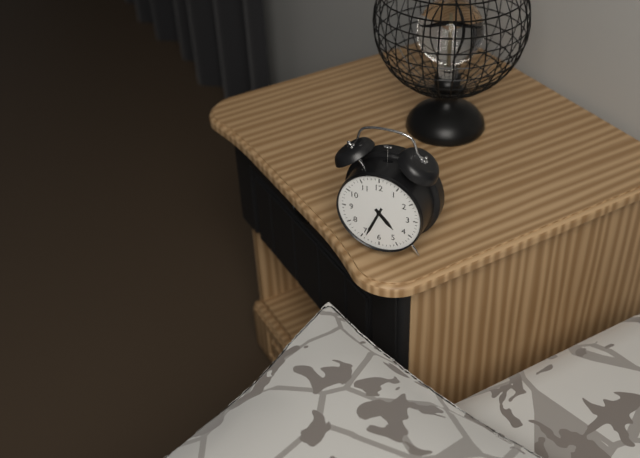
4:34
